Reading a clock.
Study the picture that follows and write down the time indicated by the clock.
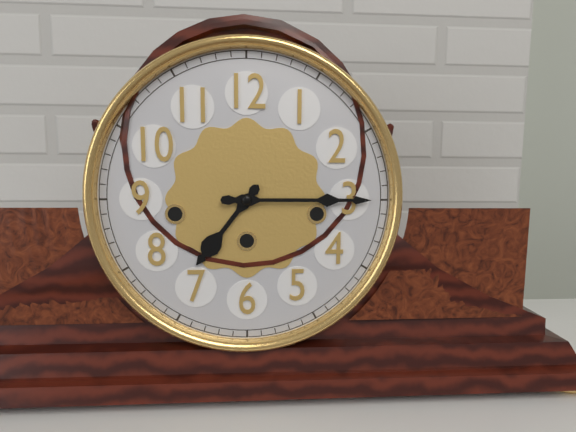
7:15
